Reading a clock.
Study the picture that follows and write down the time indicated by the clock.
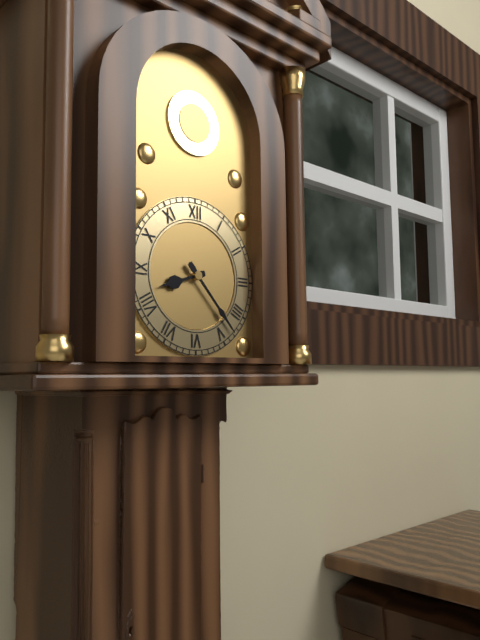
8:23
